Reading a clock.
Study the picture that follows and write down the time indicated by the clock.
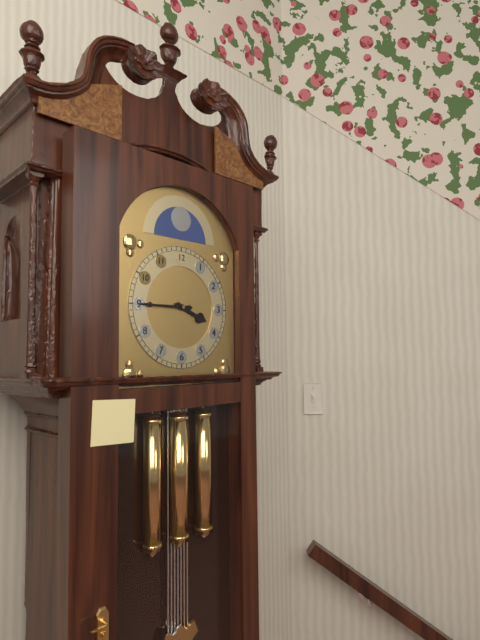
3:45
